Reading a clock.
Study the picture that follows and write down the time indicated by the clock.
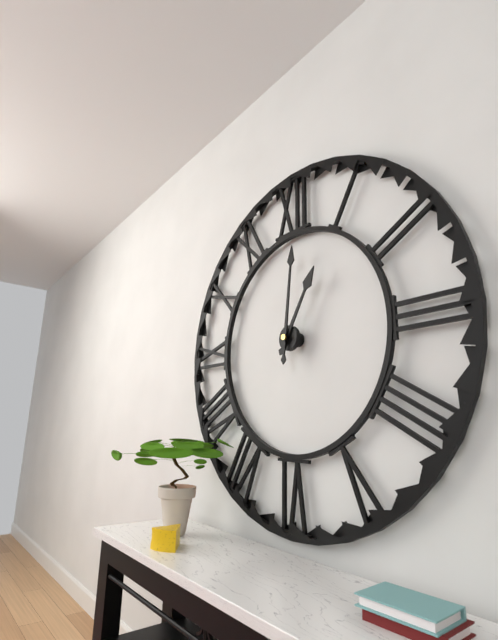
1:01
